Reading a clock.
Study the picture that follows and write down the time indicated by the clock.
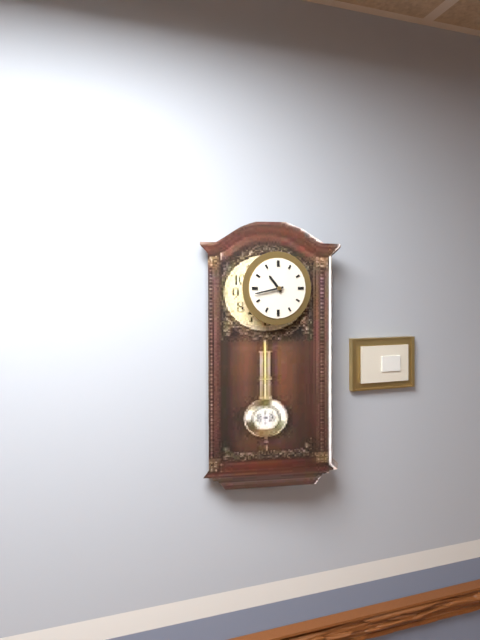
10:43
